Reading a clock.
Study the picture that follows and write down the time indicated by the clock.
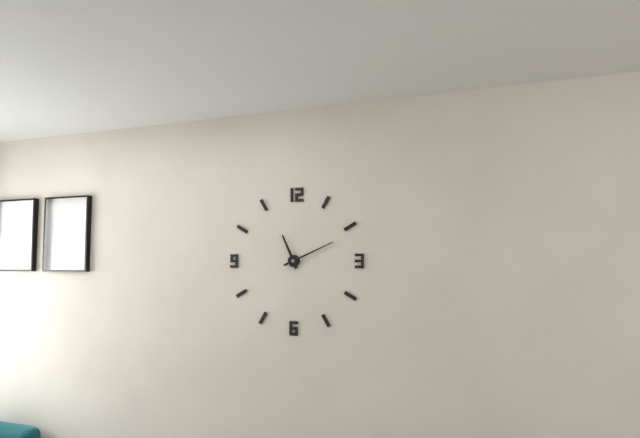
11:11
